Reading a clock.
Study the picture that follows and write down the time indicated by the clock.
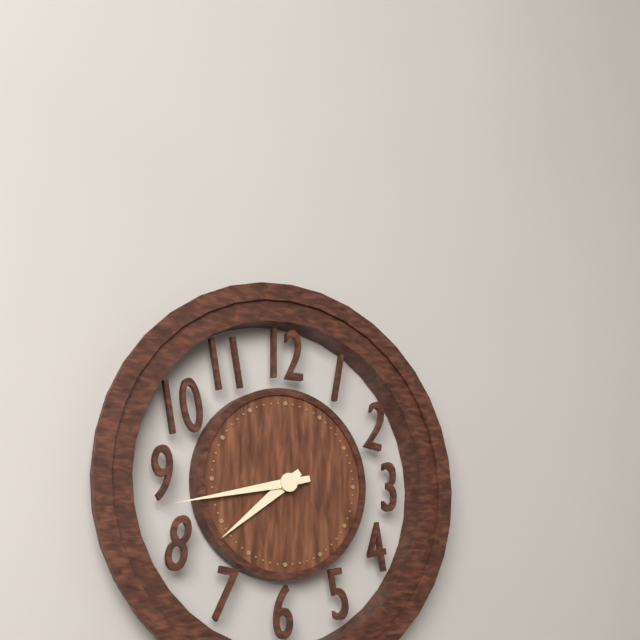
7:43
